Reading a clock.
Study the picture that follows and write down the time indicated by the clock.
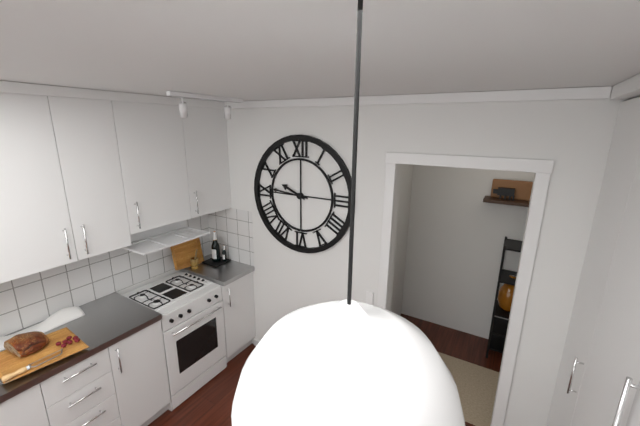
9:46
